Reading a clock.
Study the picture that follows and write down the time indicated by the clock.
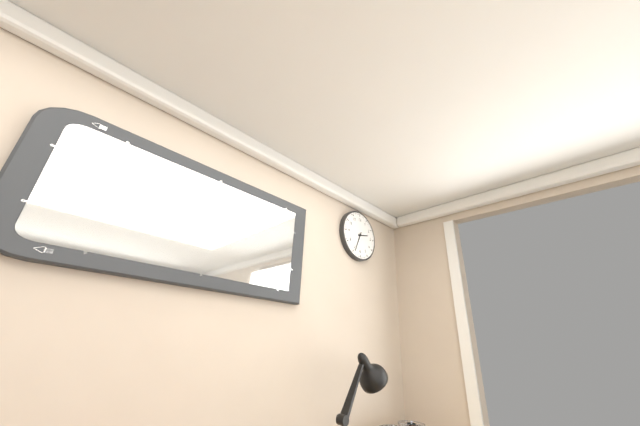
2:34
